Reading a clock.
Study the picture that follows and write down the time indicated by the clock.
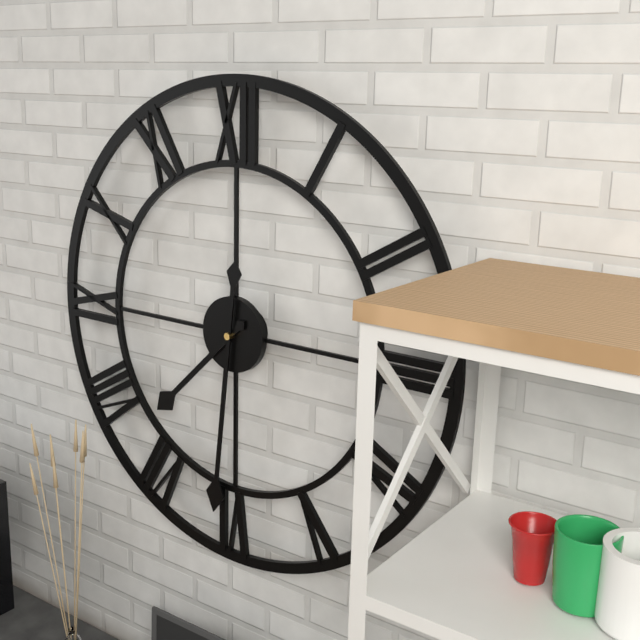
7:31
